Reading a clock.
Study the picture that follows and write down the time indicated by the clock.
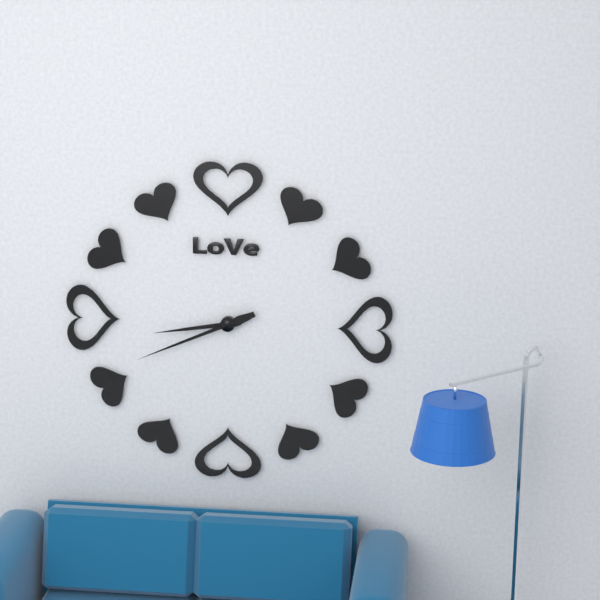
8:41
